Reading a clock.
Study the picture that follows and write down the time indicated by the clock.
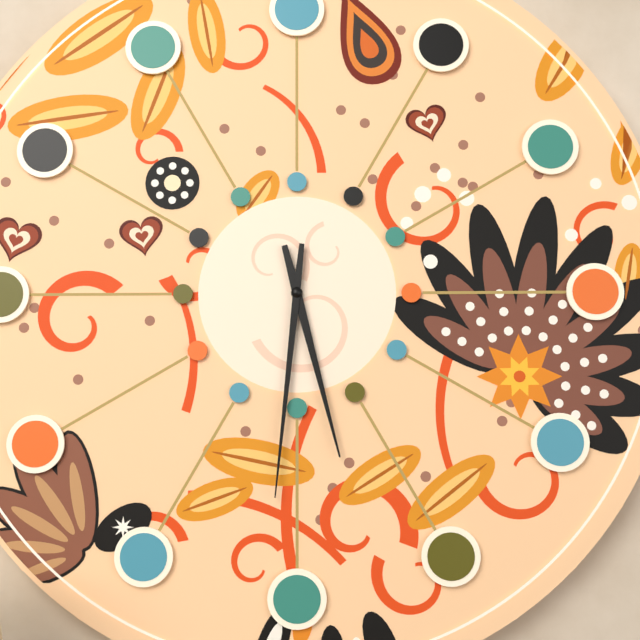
5:31
